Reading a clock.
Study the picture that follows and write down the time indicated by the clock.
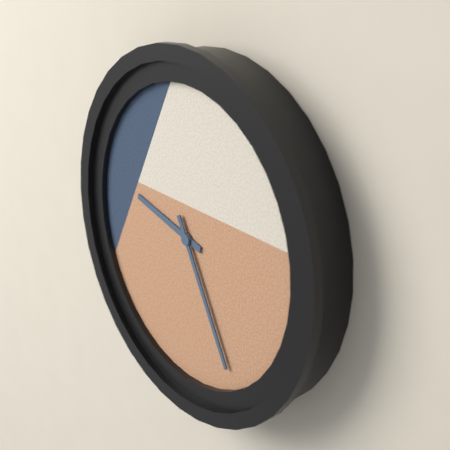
9:25
